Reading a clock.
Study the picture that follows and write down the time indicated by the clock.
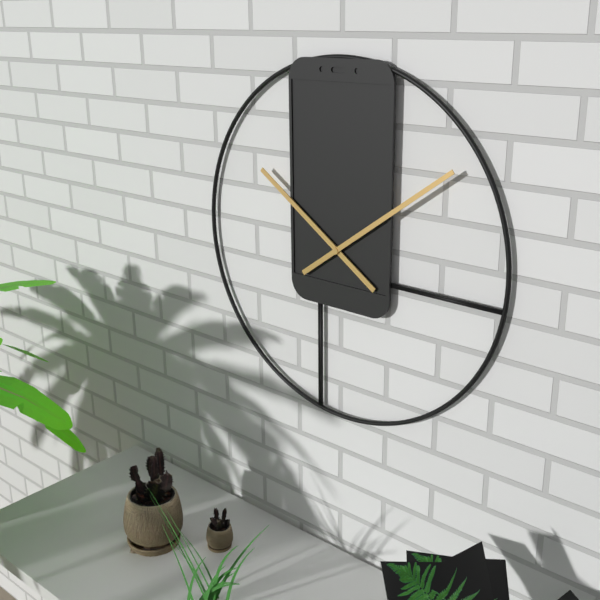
10:09
